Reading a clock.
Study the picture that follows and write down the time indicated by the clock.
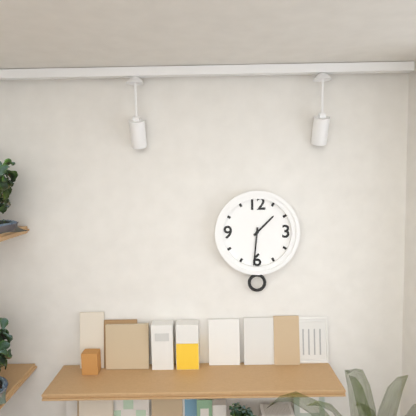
1:31
